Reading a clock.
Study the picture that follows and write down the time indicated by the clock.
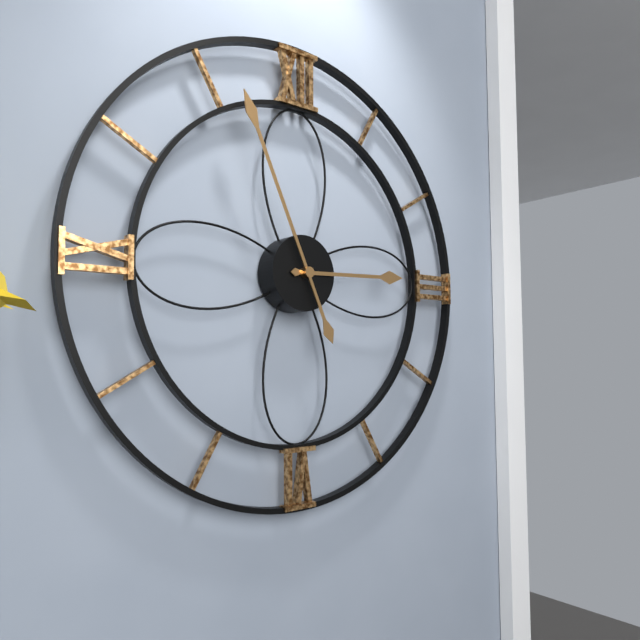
2:56
